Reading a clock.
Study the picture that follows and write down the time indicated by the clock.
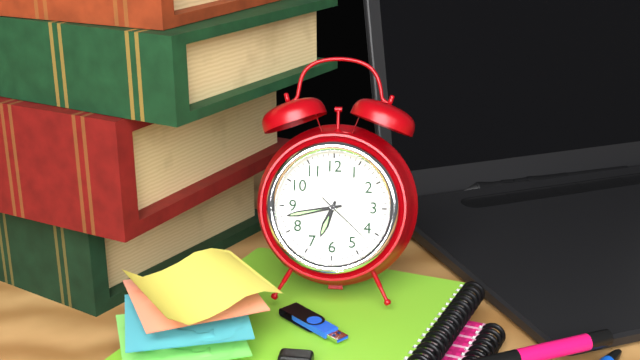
6:43:22
